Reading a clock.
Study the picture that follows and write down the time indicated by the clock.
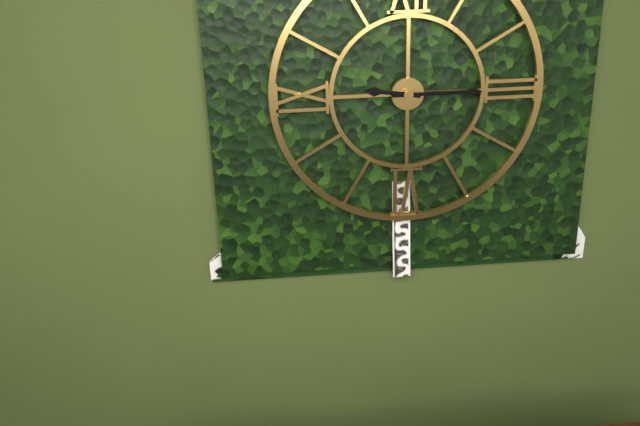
9:15
